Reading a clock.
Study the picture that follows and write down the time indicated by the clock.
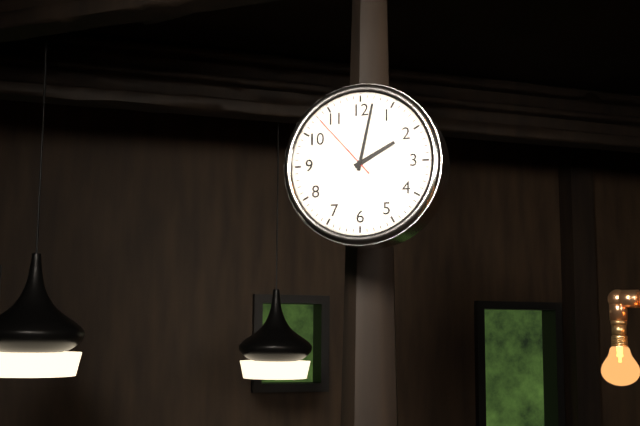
2:02:53
